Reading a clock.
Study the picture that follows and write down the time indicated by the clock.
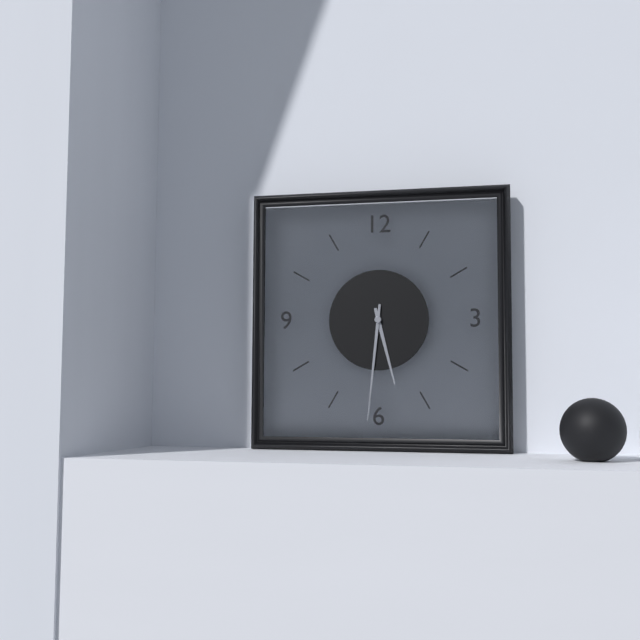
5:31
